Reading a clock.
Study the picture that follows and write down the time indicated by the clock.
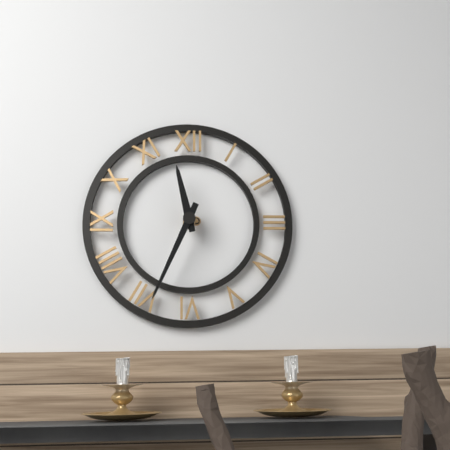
11:34
